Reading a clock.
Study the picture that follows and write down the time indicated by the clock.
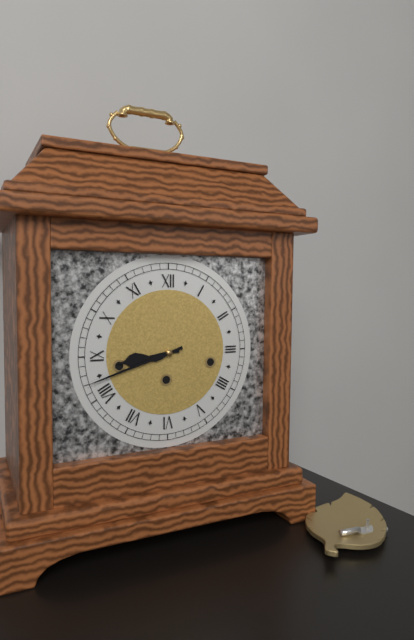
8:42
